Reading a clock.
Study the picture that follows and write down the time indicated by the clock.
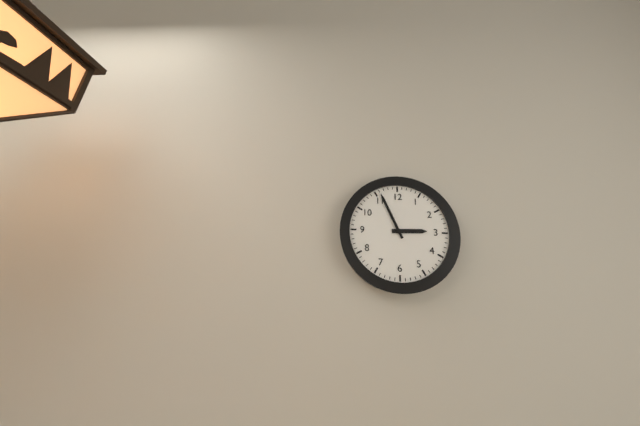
2:56
